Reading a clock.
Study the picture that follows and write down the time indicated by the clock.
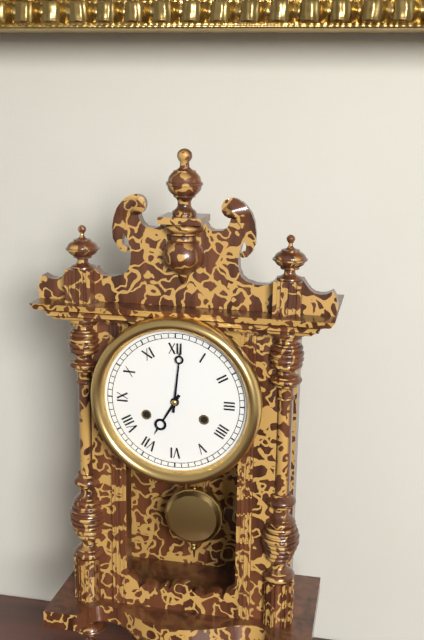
7:01
